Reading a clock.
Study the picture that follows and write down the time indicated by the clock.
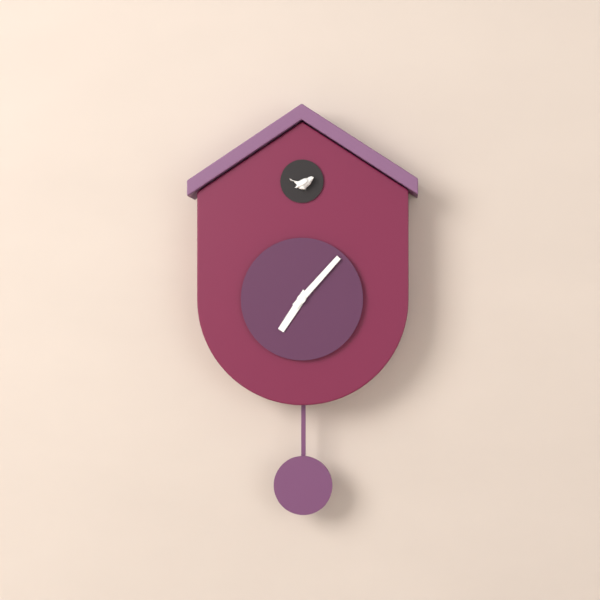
7:07
